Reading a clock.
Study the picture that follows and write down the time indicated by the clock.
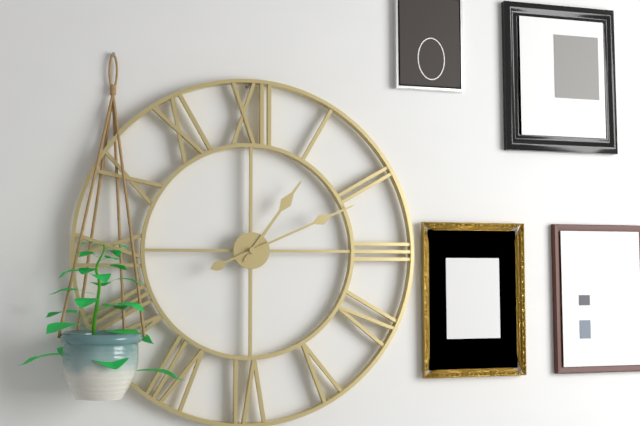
1:11
